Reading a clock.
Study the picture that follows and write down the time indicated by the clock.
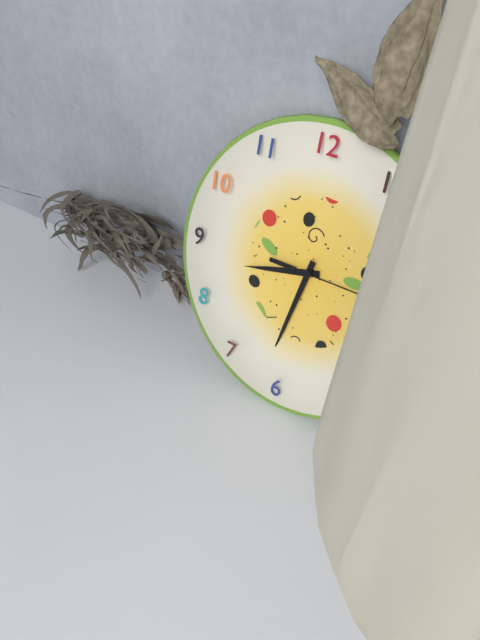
8:32
